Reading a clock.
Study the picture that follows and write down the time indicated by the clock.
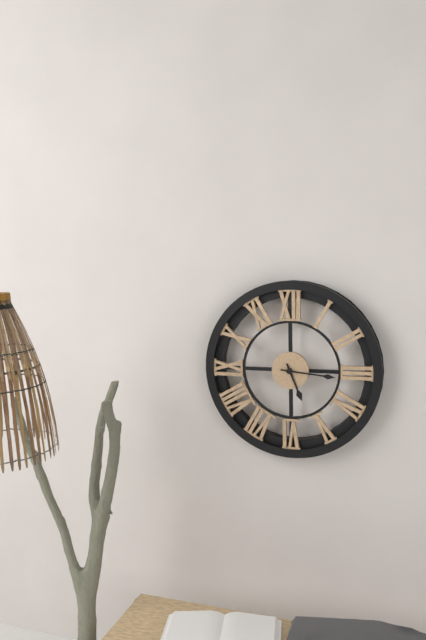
5:16
